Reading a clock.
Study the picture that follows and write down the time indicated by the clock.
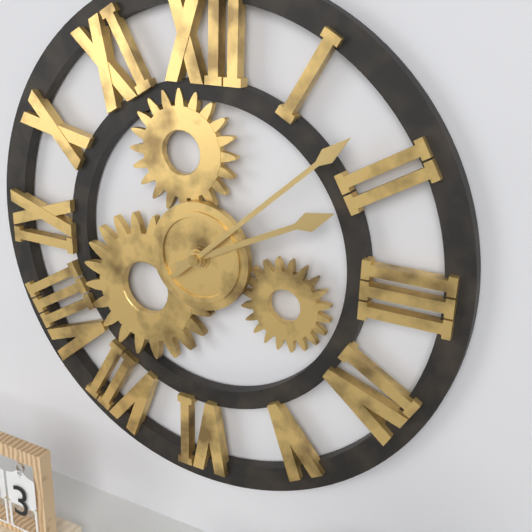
2:08
